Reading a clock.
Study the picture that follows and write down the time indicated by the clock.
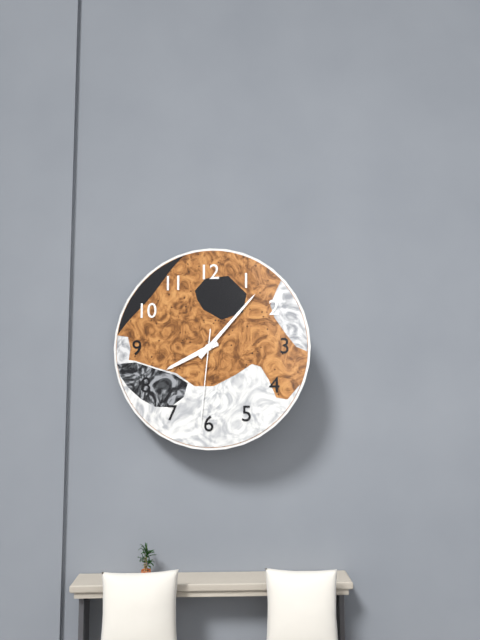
8:07:31
